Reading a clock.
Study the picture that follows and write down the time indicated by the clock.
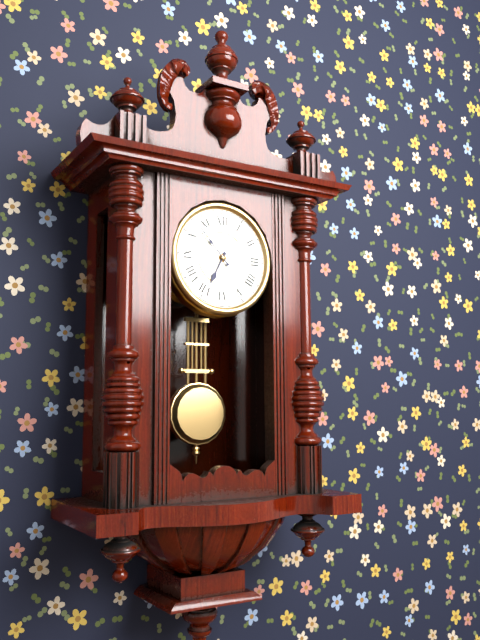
6:53
